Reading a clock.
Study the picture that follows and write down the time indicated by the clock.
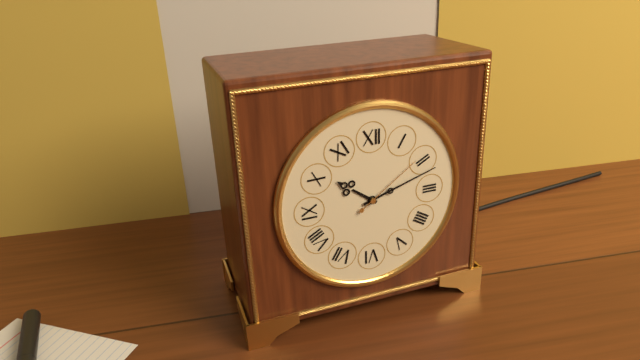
10:12:09
